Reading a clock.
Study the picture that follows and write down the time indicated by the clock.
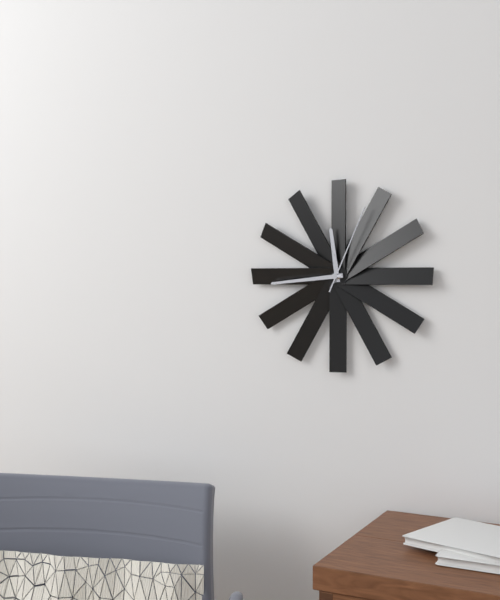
11:44:04
